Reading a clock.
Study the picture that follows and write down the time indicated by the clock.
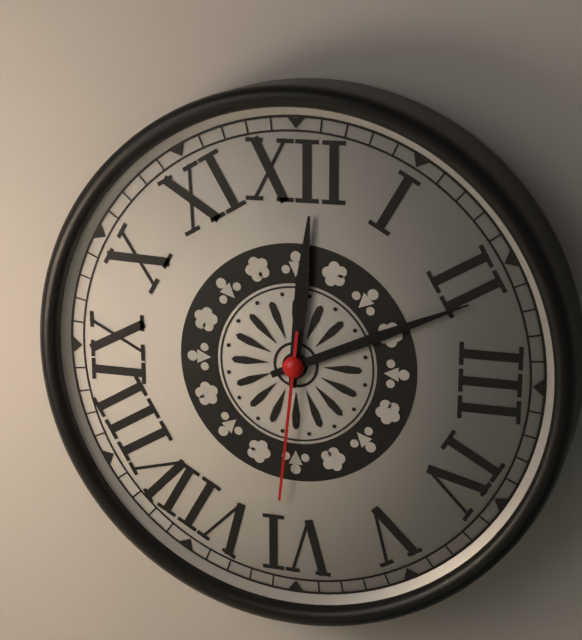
12:11:31
